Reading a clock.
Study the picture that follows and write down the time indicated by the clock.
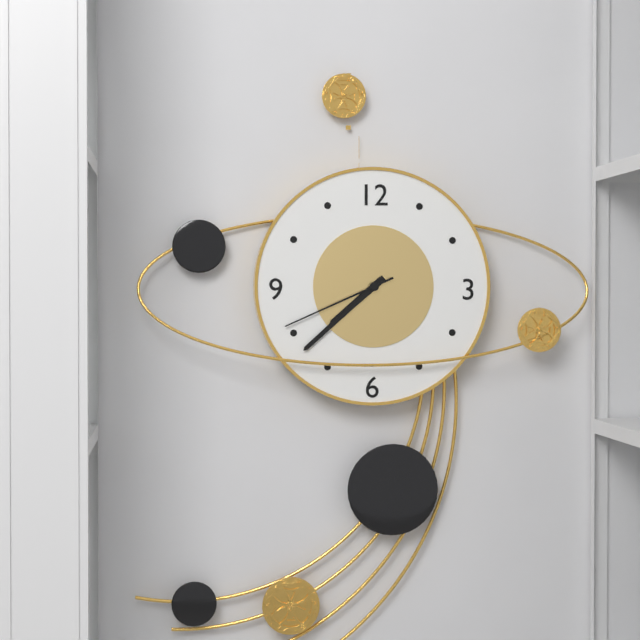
7:38:41
